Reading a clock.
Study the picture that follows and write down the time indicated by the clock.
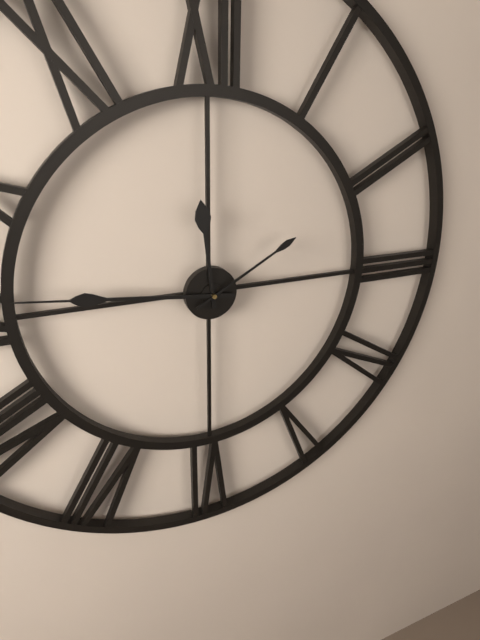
11:46:10
